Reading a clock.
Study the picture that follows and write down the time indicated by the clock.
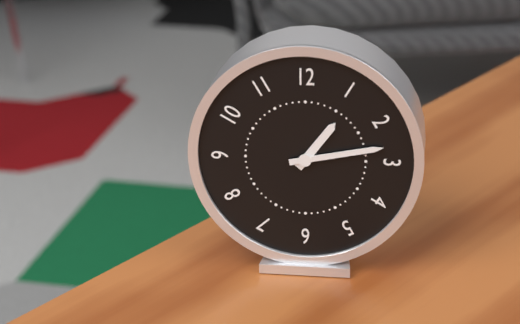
1:13
